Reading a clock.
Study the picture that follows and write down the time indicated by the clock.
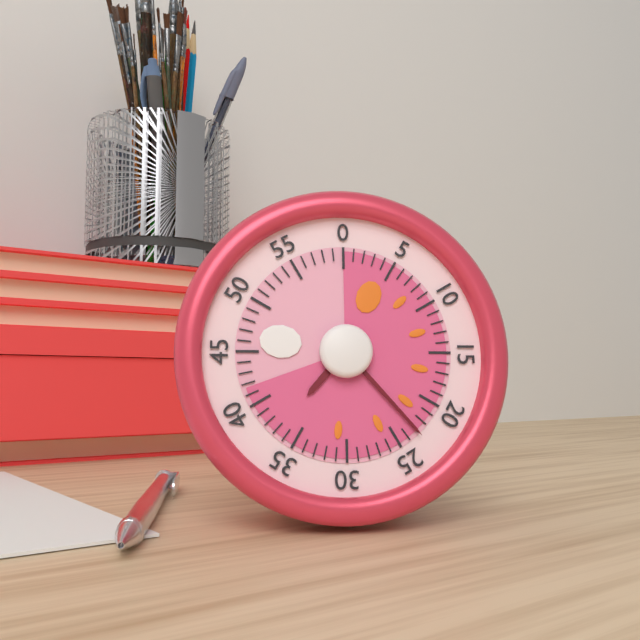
7:23
